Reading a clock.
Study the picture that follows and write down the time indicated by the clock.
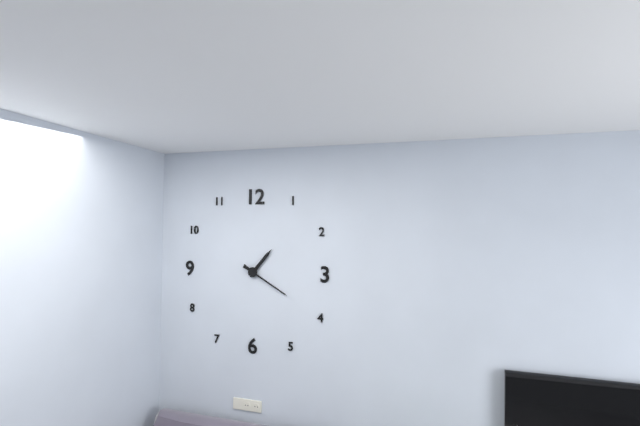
1:20
